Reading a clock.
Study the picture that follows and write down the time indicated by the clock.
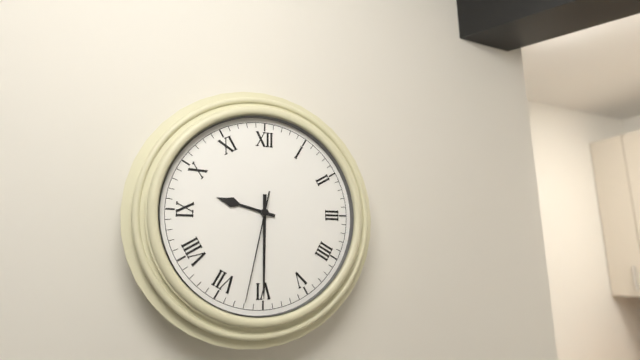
9:30:32
